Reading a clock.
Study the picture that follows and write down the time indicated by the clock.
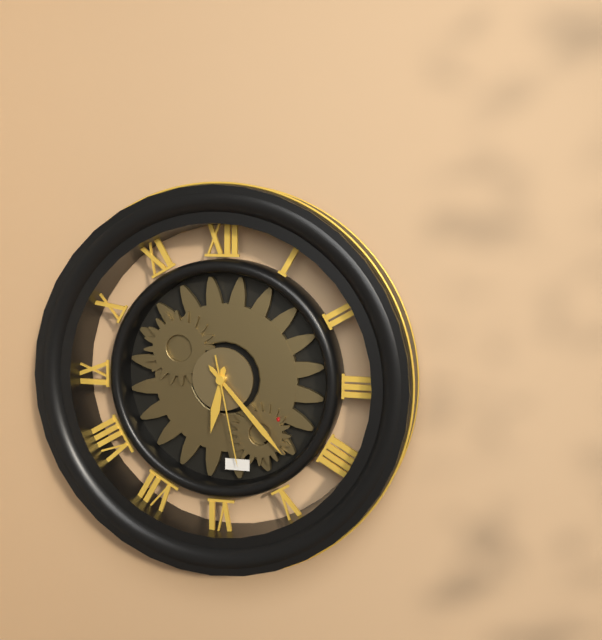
6:23:28
